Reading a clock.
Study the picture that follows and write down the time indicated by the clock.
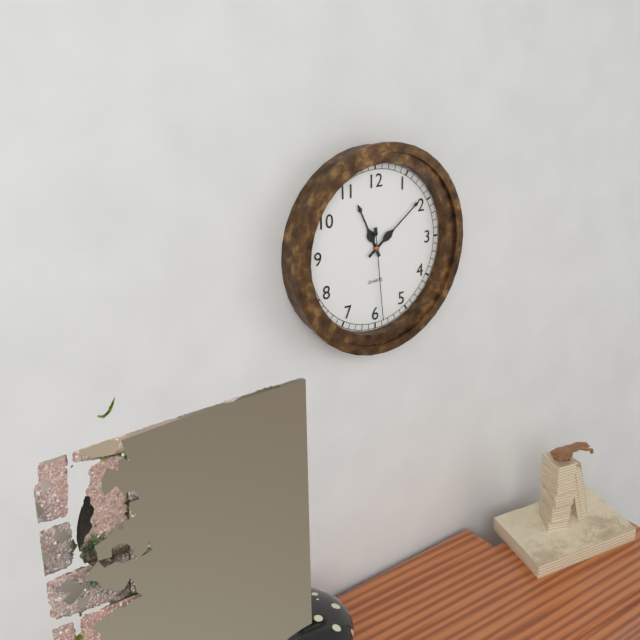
11:09:29
